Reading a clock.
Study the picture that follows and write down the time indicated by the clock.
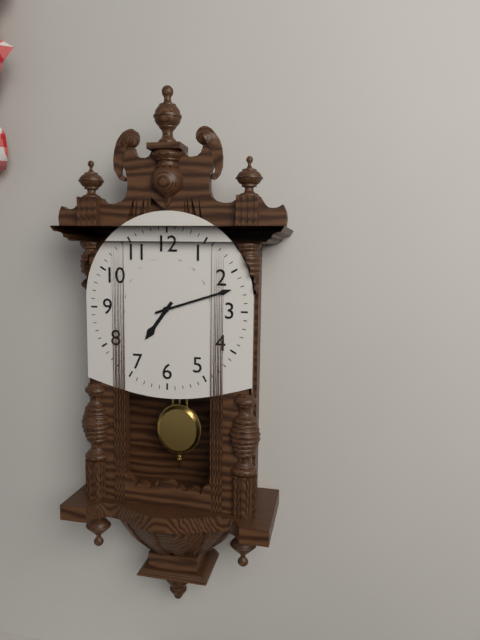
7:12
